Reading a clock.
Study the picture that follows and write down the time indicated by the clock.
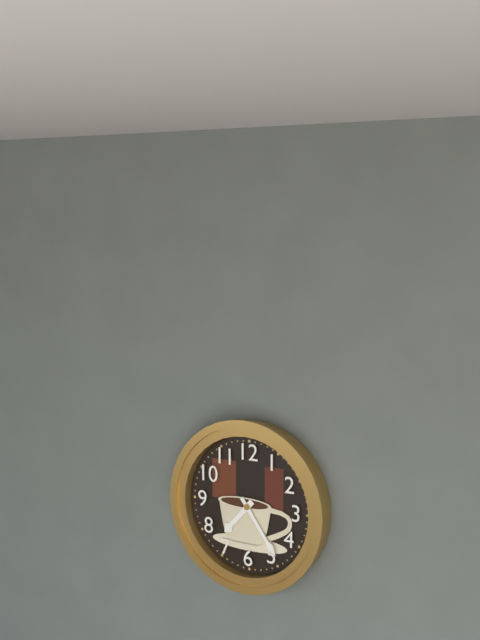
7:24
